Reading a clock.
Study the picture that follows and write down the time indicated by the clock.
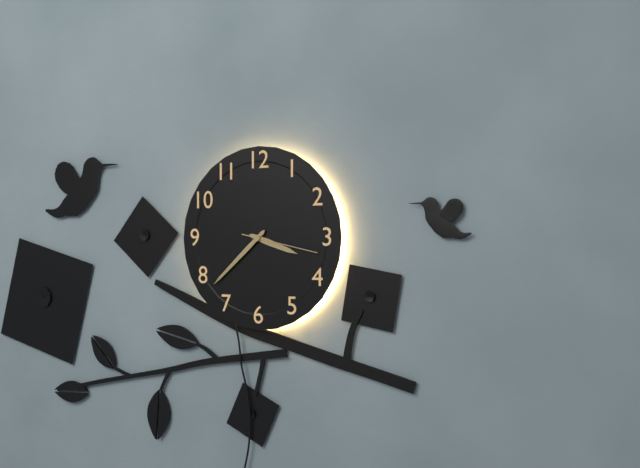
3:38:17
